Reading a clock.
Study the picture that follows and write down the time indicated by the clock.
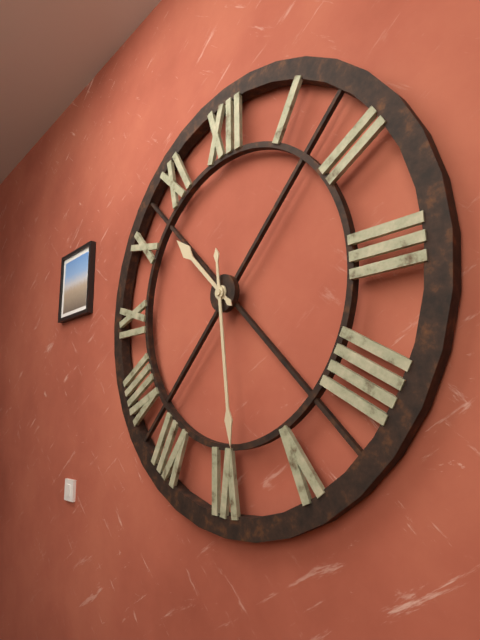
10:29
